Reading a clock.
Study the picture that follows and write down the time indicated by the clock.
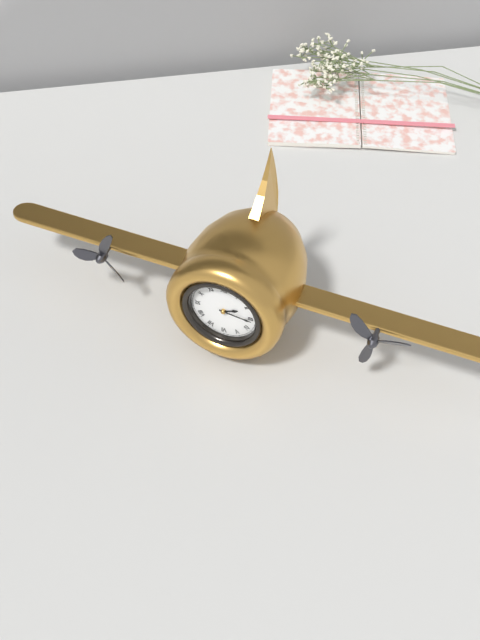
2:16
